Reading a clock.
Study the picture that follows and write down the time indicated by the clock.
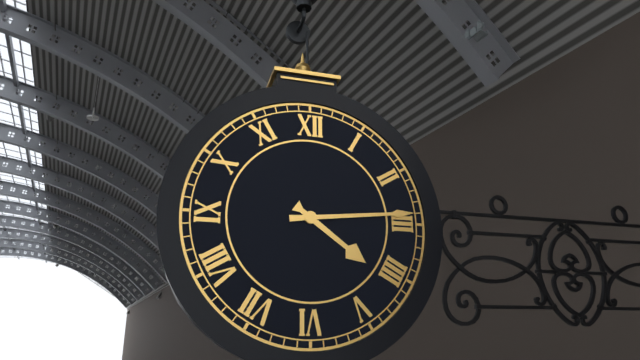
4:14
